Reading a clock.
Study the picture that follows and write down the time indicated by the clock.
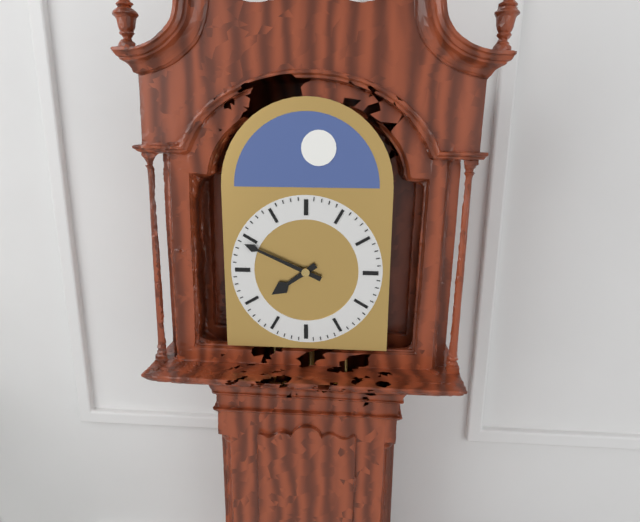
7:49
